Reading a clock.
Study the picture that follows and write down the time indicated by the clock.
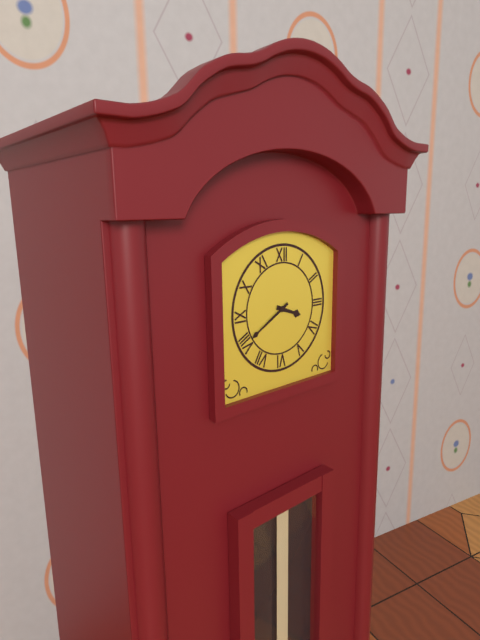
3:40
